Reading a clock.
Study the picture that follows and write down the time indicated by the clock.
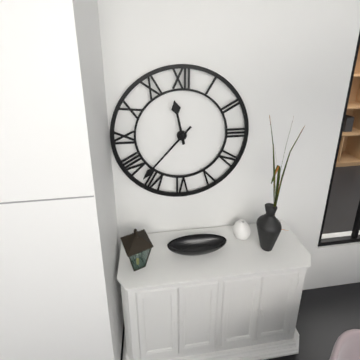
11:37
